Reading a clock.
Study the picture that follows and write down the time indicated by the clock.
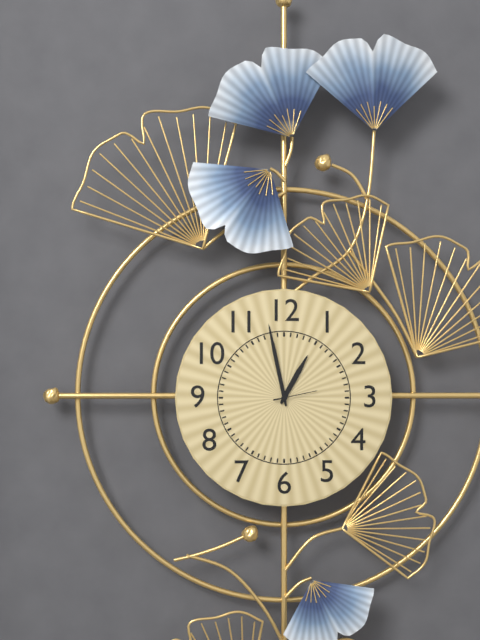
12:58
